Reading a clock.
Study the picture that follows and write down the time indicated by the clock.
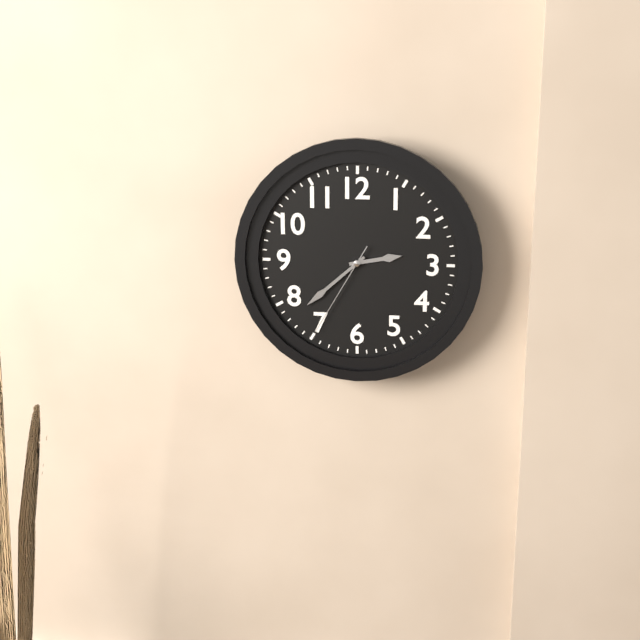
2:38:35
